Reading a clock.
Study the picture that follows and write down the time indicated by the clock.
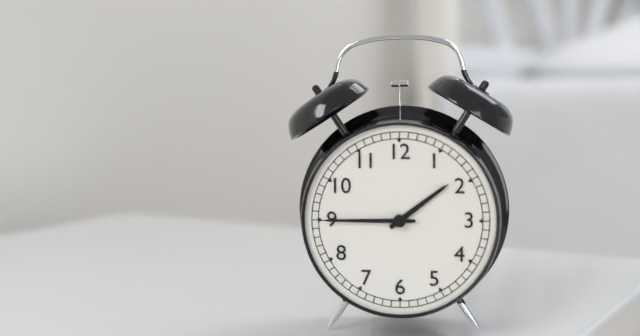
1:45
